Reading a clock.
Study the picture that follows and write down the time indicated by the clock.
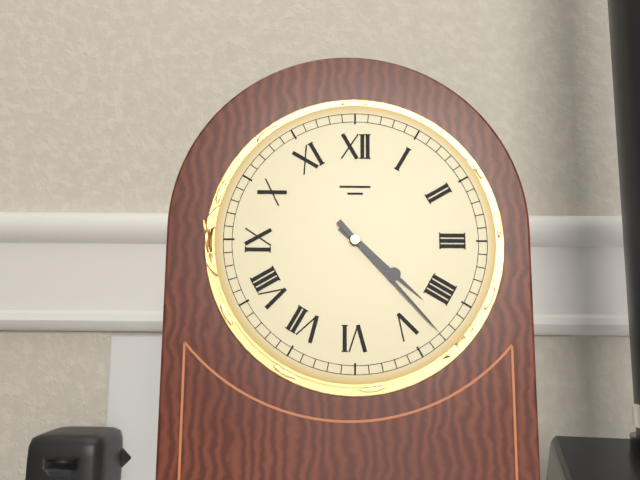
4:23
